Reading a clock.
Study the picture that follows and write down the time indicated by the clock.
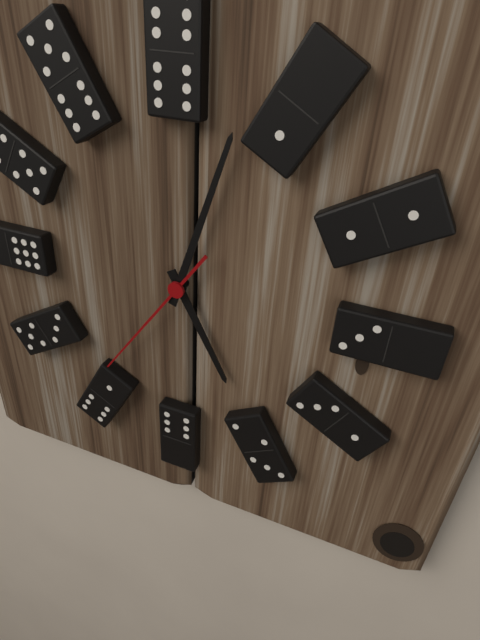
5:03:36
